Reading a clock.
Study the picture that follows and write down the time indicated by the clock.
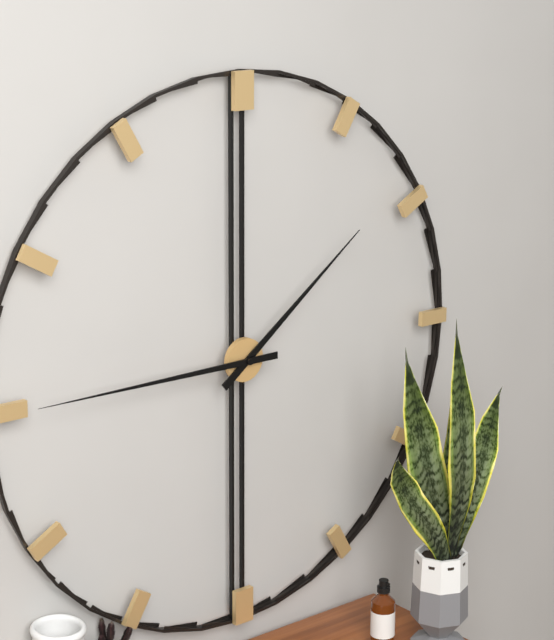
1:45
